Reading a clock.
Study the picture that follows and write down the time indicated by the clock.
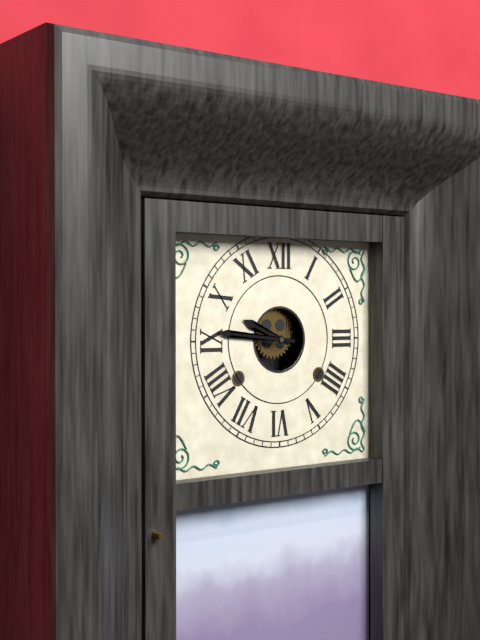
9:46
